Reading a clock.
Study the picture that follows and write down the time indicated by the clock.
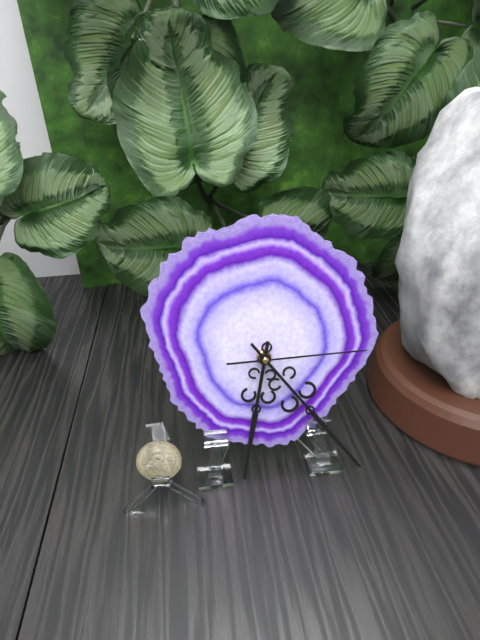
6:24:15
